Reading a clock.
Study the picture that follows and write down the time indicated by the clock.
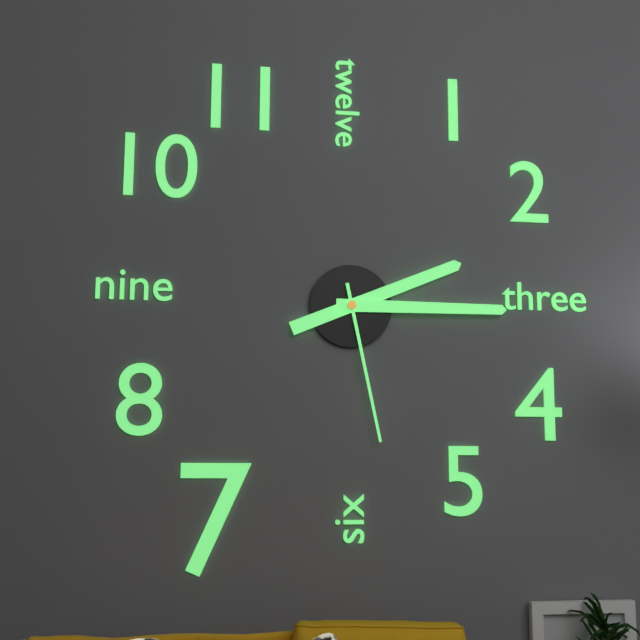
2:15:28
